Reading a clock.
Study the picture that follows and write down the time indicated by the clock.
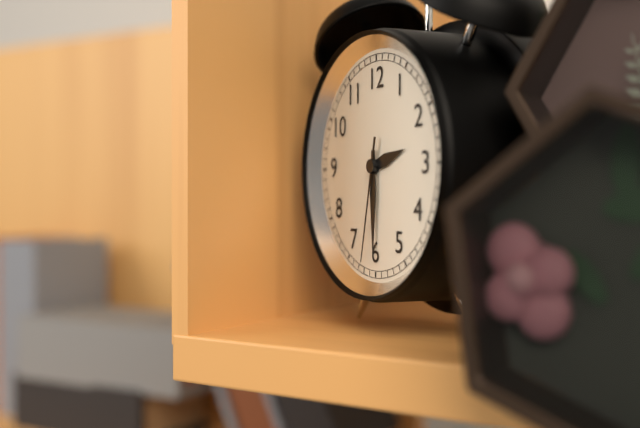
2:30:32
